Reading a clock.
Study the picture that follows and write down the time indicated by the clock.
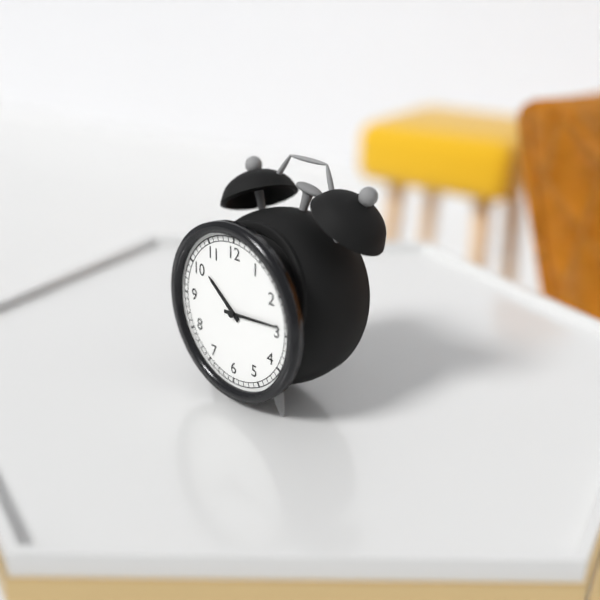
10:14
